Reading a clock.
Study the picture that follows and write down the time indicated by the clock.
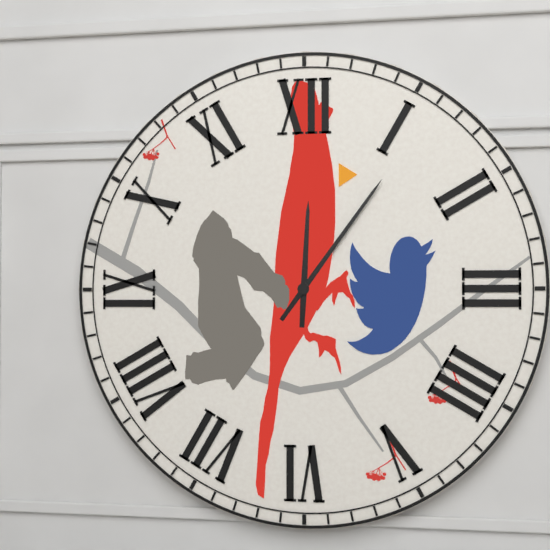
12:06
